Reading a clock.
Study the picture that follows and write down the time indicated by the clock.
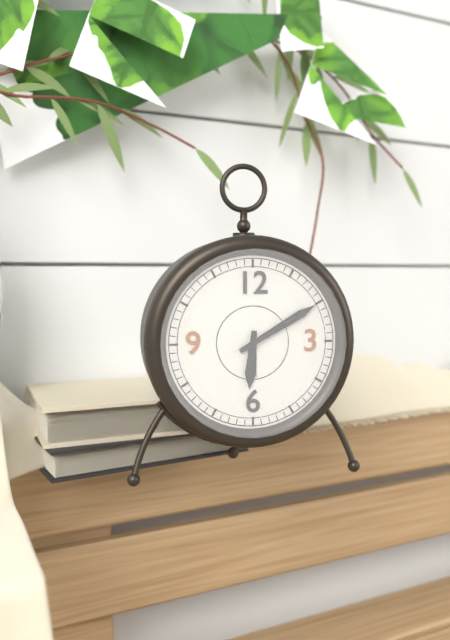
6:10
